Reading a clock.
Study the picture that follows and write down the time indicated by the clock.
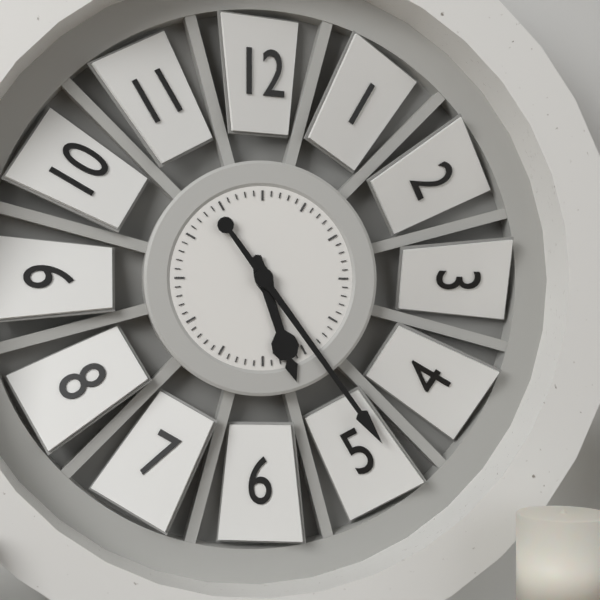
5:24
